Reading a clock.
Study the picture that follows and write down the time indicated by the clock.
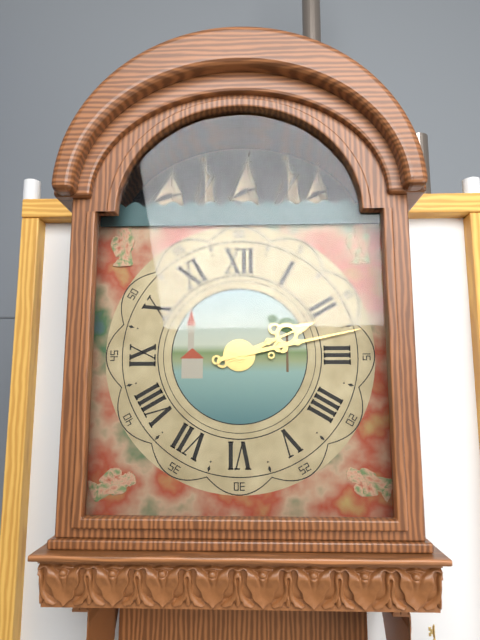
2:13
